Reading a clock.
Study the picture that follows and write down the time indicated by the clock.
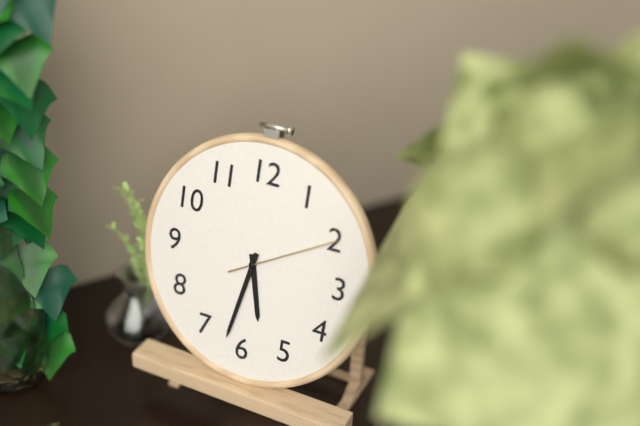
5:32:10
